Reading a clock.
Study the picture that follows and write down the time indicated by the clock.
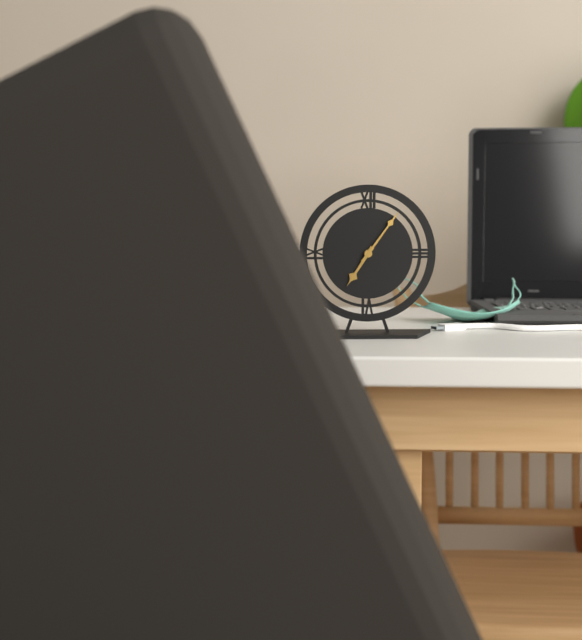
7:06
